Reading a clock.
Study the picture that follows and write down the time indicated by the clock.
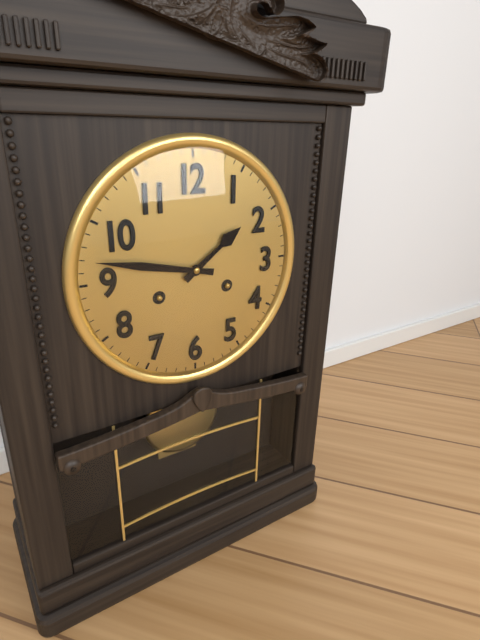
1:47
